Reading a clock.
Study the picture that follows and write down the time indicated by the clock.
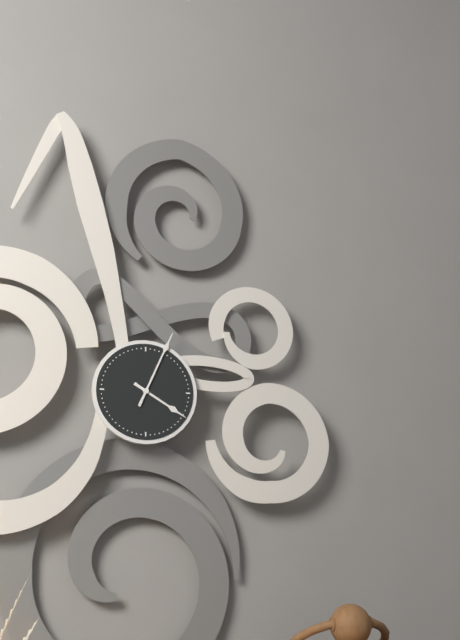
4:04
